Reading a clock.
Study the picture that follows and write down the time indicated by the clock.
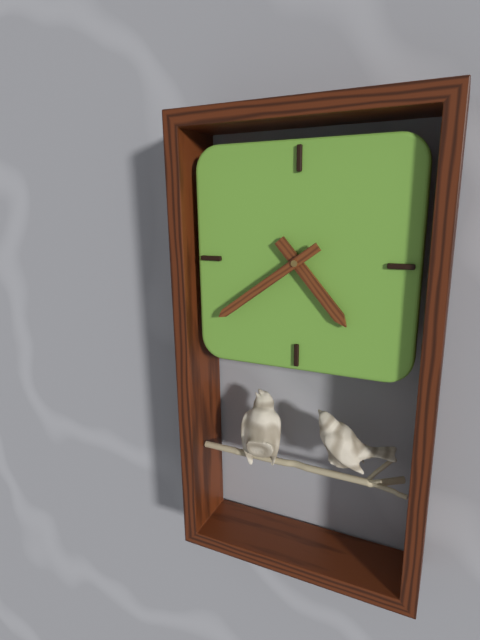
4:39
